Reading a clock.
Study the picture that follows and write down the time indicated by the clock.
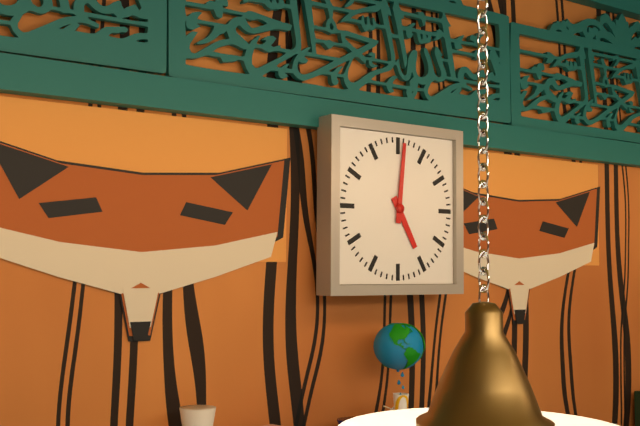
5:01
